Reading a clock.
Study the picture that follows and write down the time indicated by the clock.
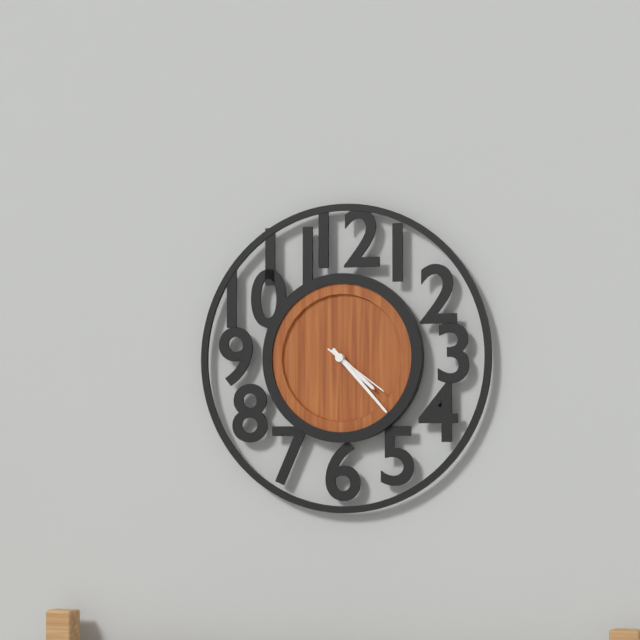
4:23:21
